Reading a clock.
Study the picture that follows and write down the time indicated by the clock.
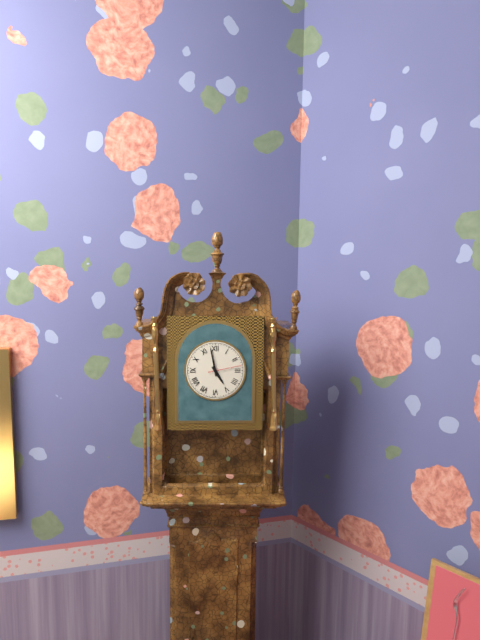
4:58
